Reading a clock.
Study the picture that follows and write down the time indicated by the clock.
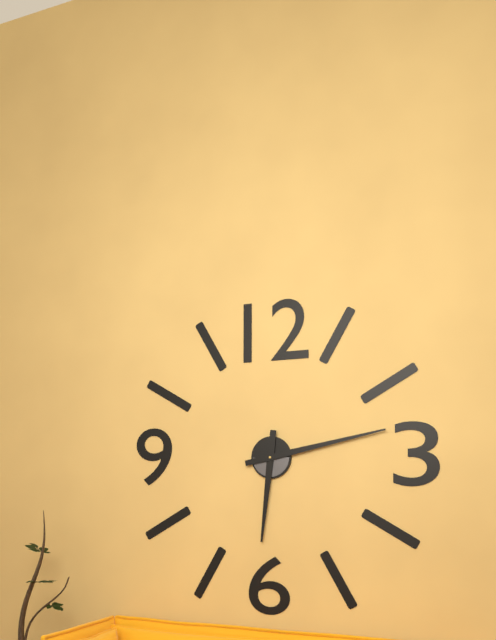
6:13
